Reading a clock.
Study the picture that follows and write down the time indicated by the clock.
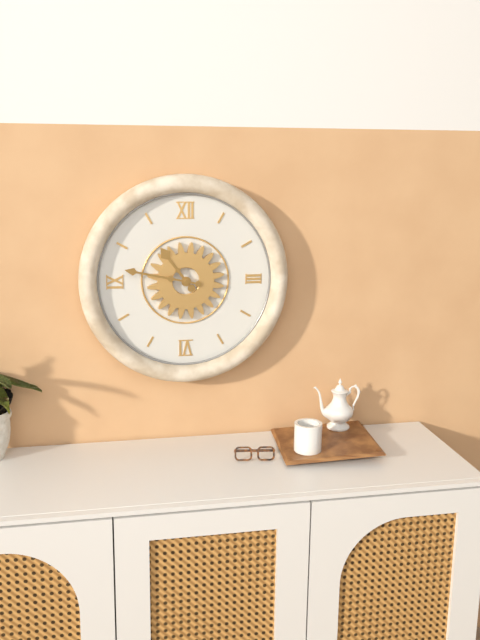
10:47
